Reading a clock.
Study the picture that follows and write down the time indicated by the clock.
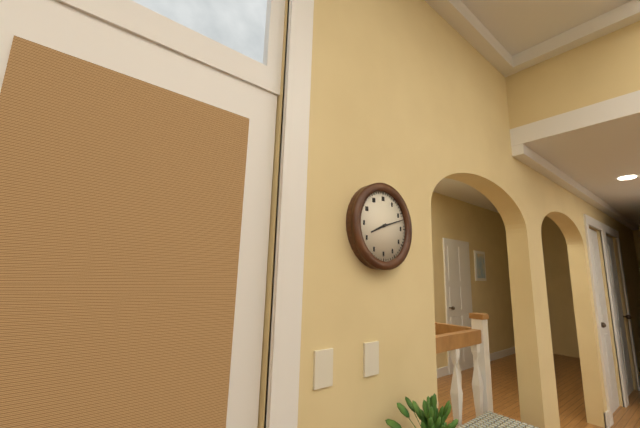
8:12
